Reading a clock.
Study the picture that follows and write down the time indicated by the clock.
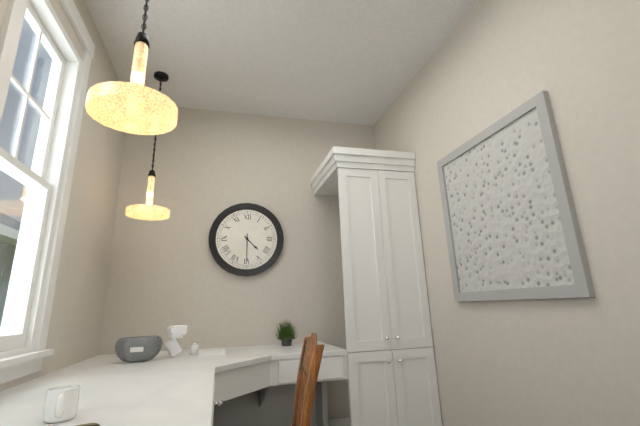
4:30
